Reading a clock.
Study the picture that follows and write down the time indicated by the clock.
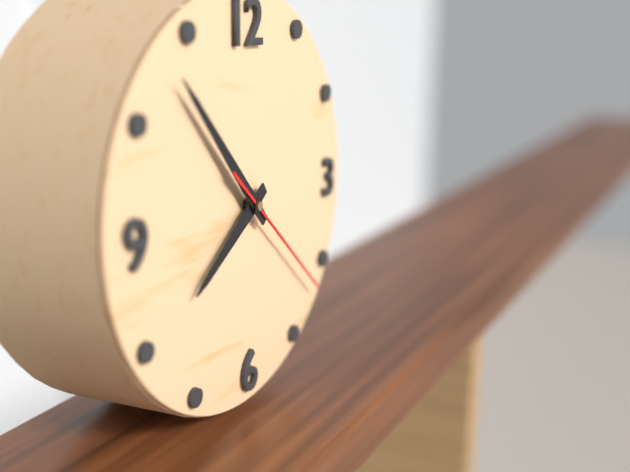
7:53:22
